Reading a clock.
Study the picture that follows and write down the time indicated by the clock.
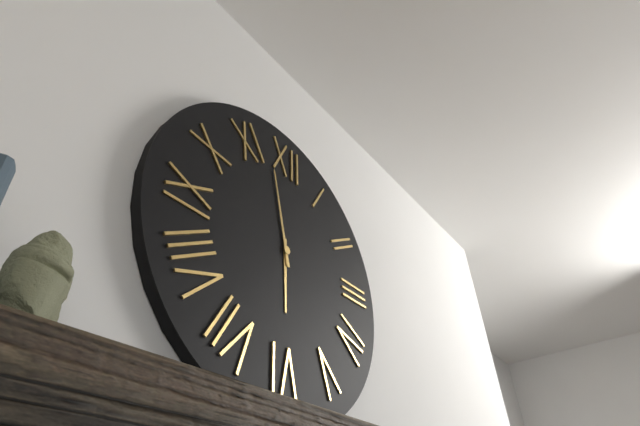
5:58
